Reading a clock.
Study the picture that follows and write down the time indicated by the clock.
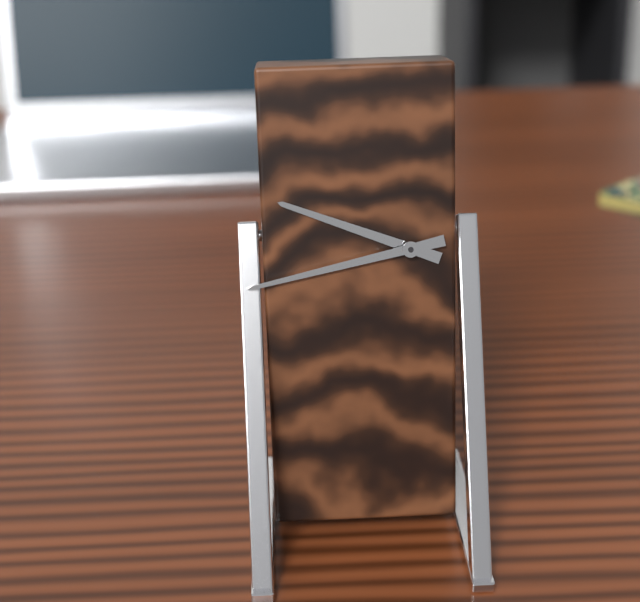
9:43
